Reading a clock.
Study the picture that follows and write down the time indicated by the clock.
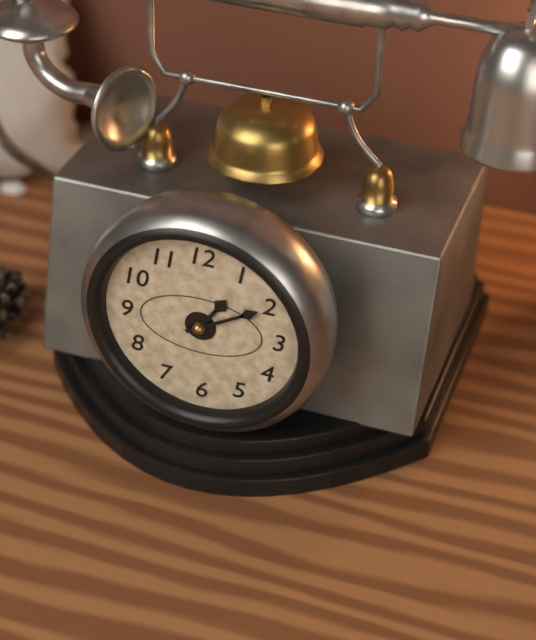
1:10
